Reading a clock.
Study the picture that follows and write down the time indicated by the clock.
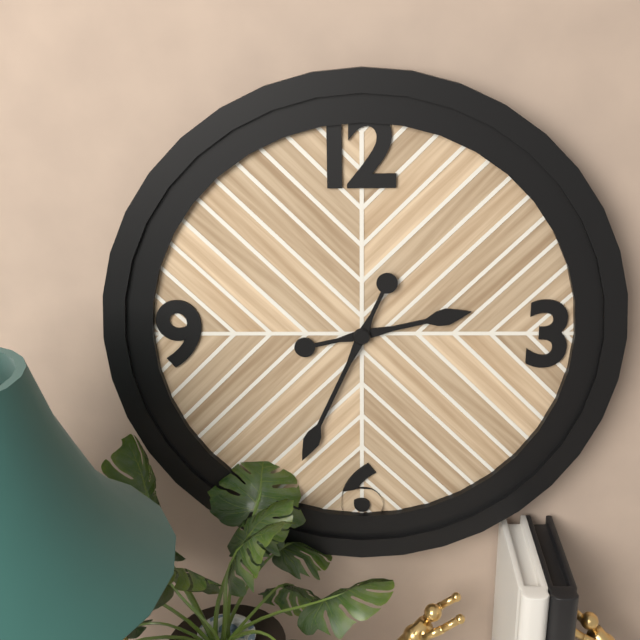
2:34
